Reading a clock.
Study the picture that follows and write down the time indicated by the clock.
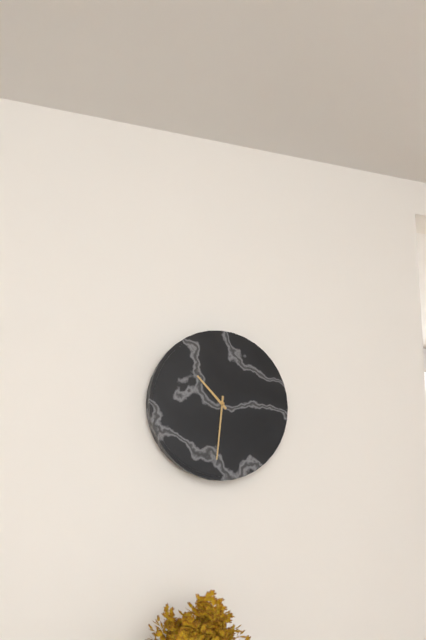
10:31
